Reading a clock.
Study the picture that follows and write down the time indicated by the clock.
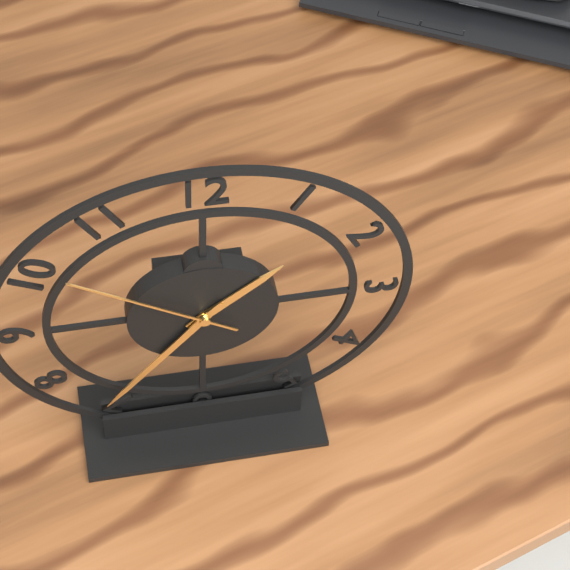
1:36:51
